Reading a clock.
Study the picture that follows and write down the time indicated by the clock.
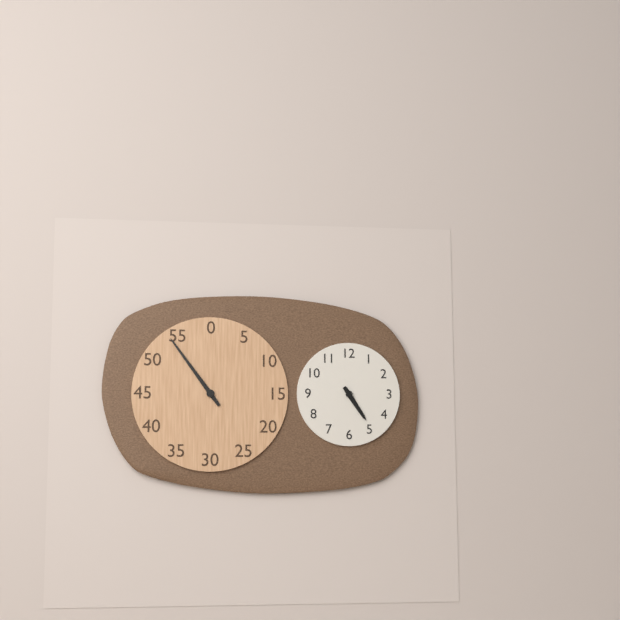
4:54
